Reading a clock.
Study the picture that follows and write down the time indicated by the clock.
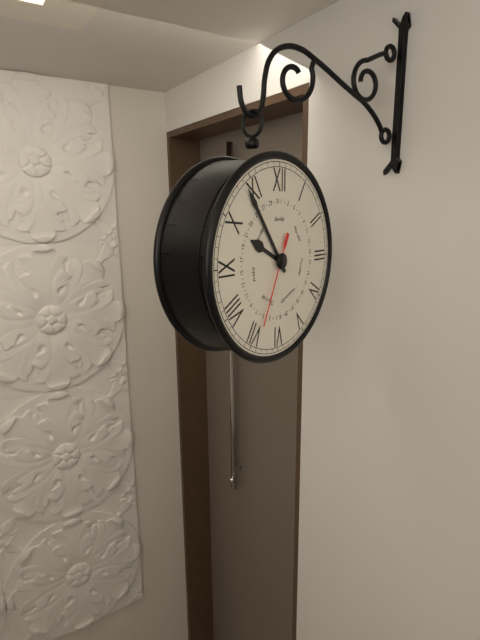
9:54:34
